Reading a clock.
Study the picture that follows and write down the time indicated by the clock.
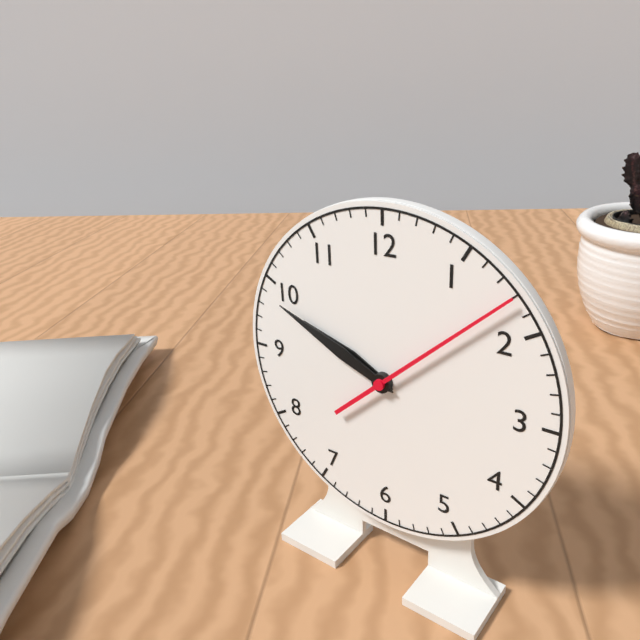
9:49:08
